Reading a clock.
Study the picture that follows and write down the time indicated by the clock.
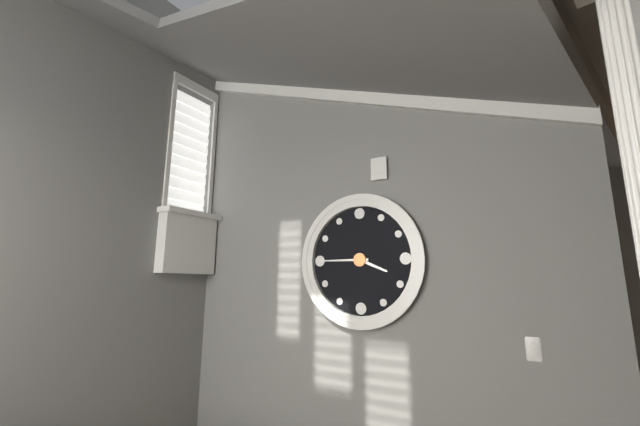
3:45
